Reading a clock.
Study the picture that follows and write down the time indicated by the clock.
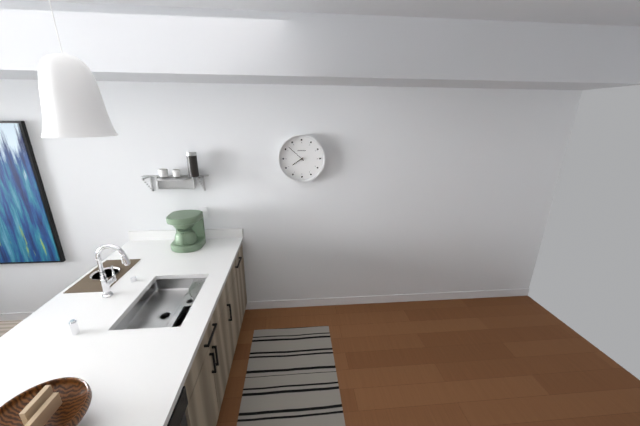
7:52
